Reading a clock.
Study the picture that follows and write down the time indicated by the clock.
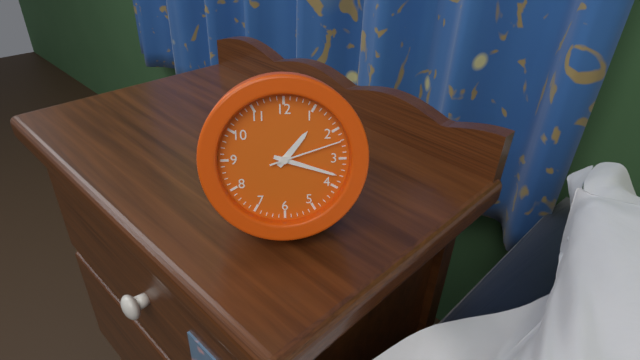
1:18:12
